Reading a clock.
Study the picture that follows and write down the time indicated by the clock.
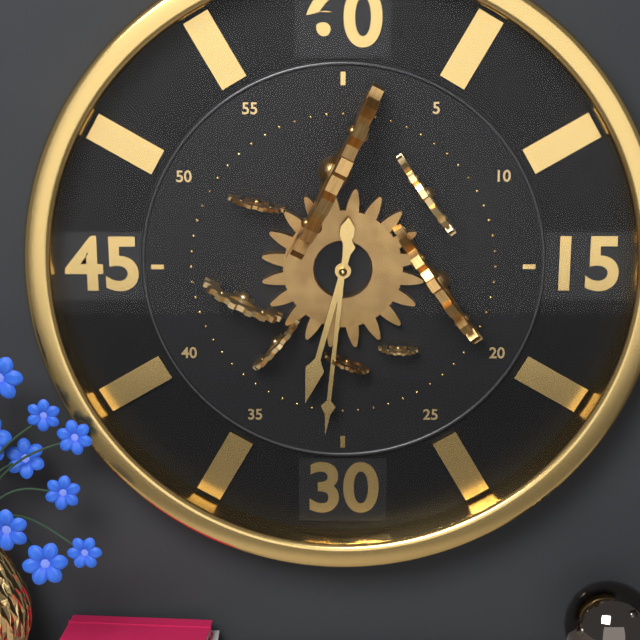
6:31
